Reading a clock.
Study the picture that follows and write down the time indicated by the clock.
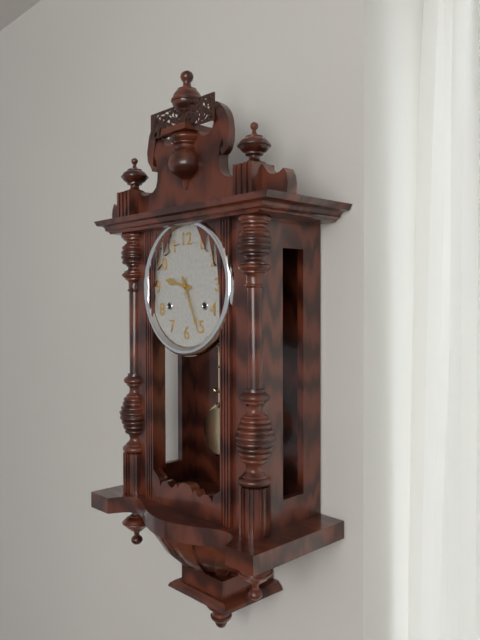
9:26
